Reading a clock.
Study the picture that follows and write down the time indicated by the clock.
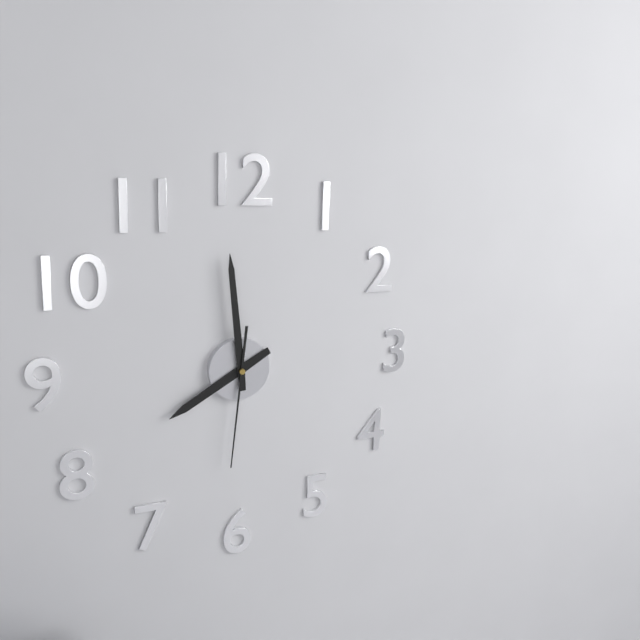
7:59:31
